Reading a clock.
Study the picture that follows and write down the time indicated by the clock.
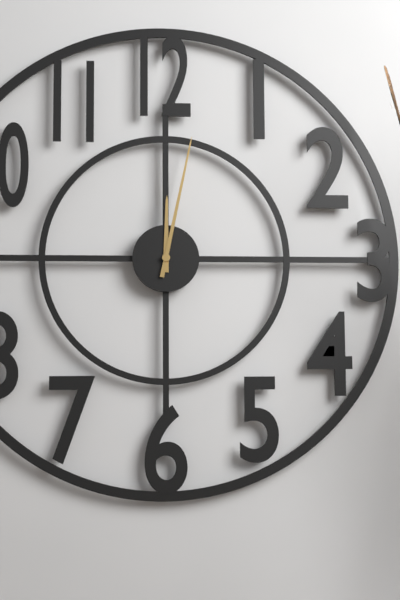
12:02
